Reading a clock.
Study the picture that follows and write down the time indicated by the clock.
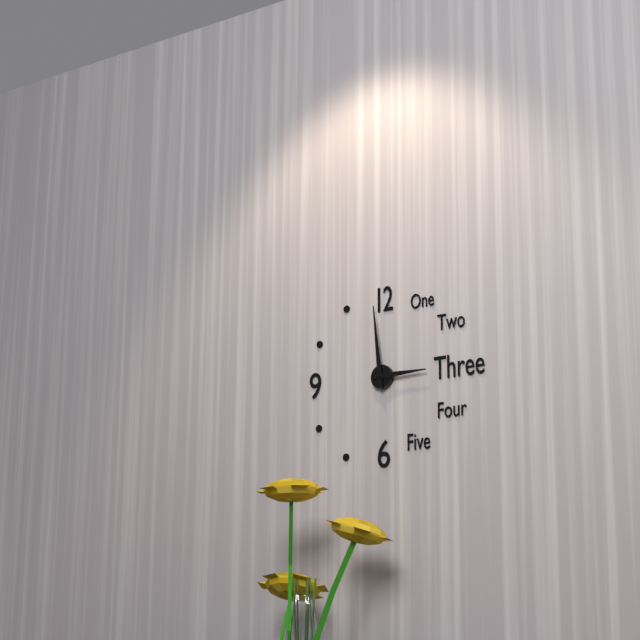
2:59
